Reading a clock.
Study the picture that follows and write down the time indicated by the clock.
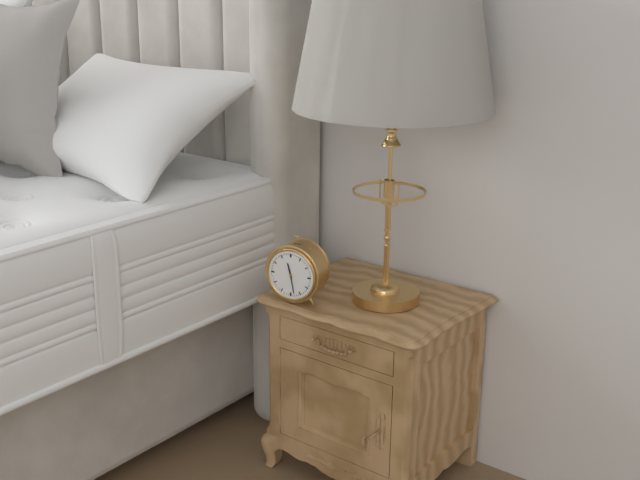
11:28
